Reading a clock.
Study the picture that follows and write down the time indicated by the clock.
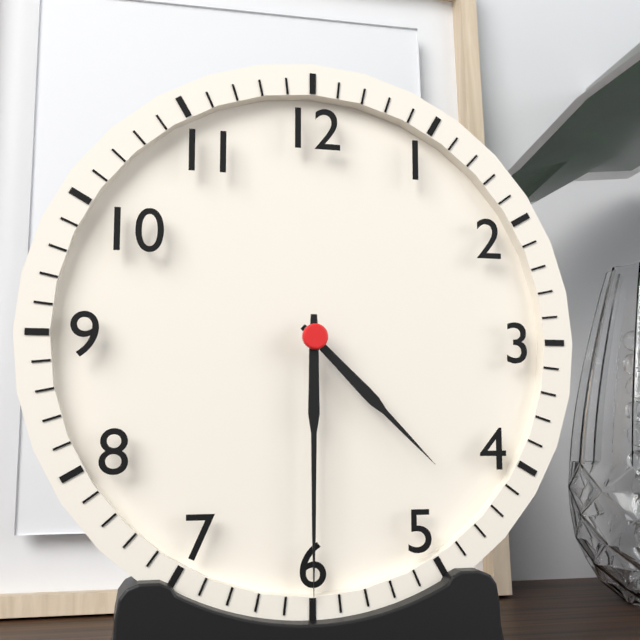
4:30
